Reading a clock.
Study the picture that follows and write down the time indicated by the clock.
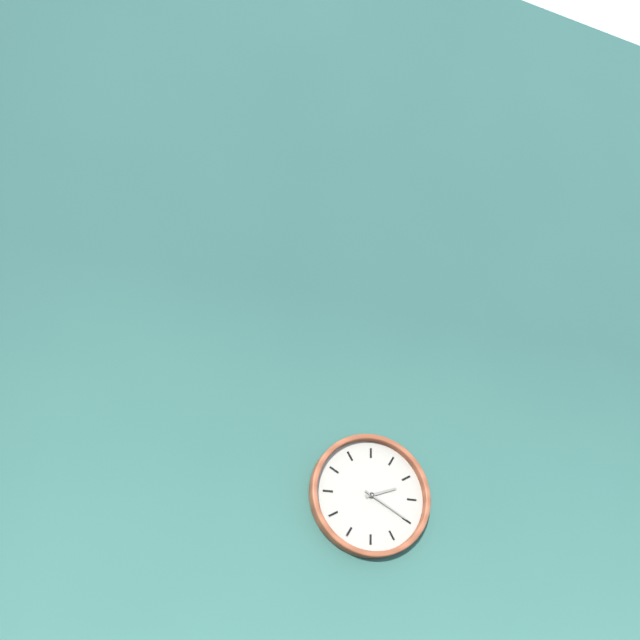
2:20
